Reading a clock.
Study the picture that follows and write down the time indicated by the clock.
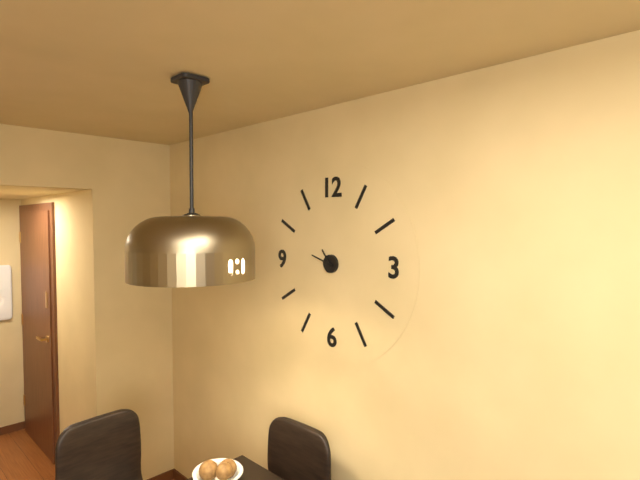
10:48
